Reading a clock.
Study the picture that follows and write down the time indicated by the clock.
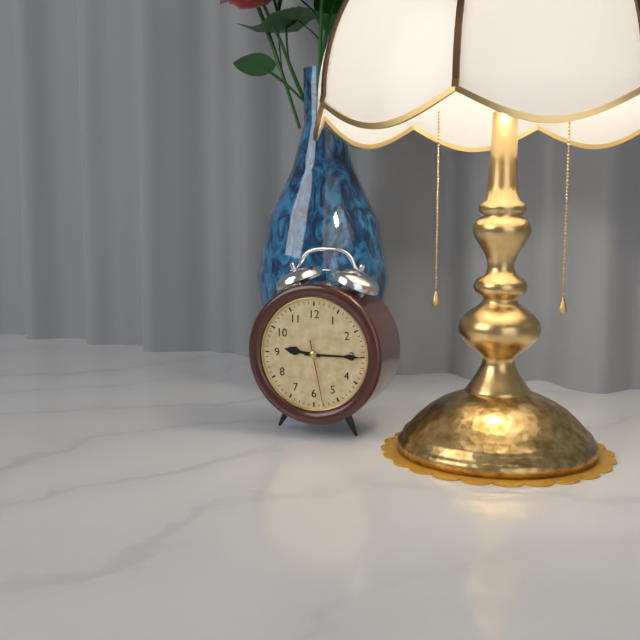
9:15:28
